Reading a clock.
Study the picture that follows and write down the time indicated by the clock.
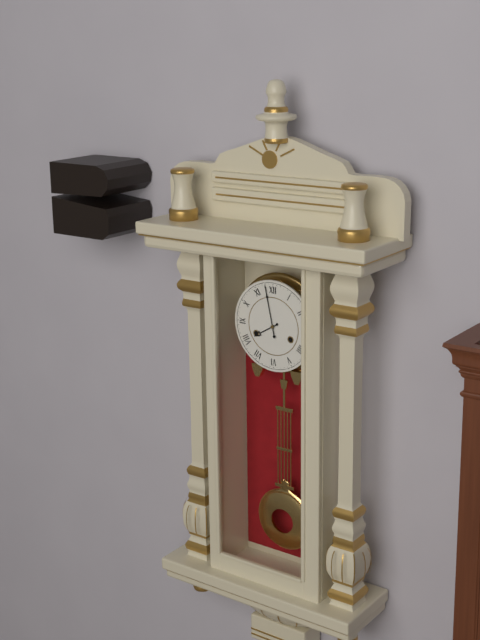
7:58
